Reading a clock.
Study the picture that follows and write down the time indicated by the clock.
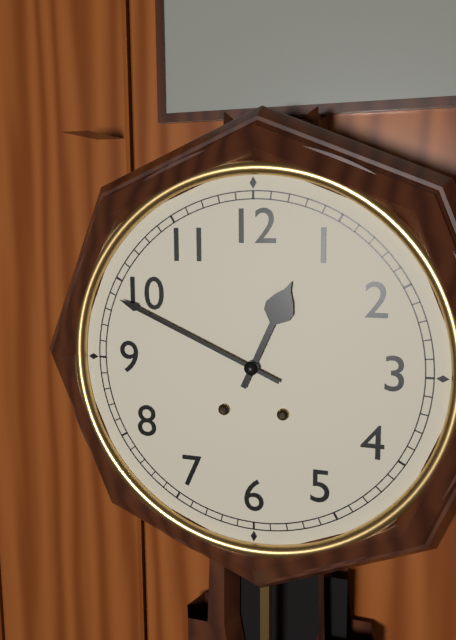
12:49
